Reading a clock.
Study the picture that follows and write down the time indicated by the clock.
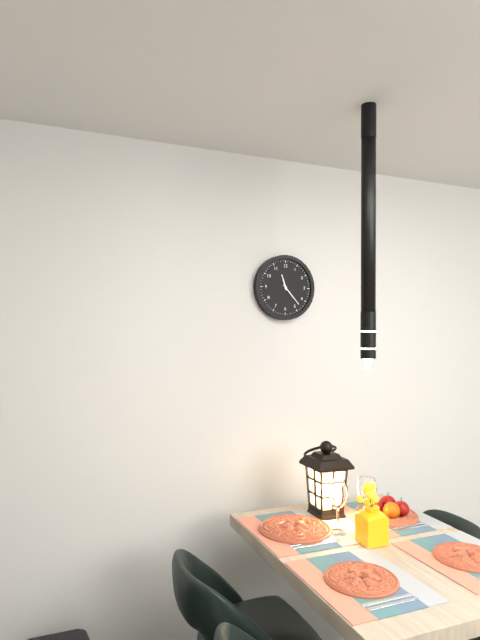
11:23
